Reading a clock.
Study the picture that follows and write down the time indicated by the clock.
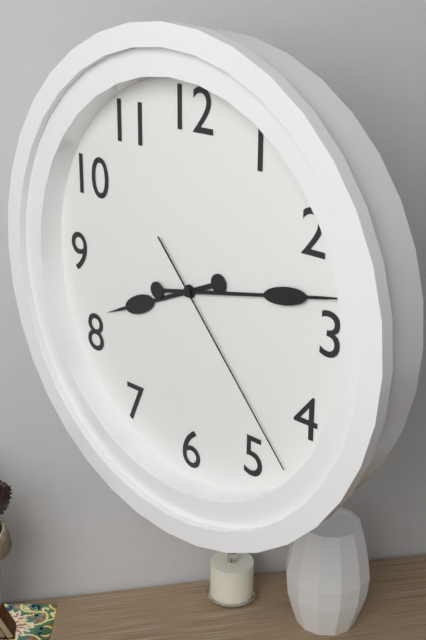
8:13:23
